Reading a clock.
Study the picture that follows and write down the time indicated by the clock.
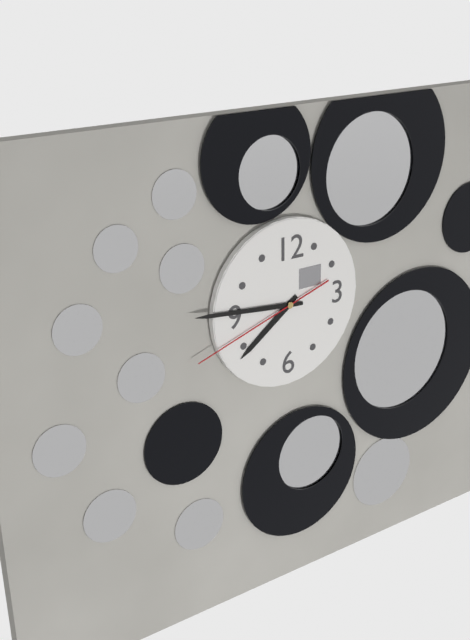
7:46:42
